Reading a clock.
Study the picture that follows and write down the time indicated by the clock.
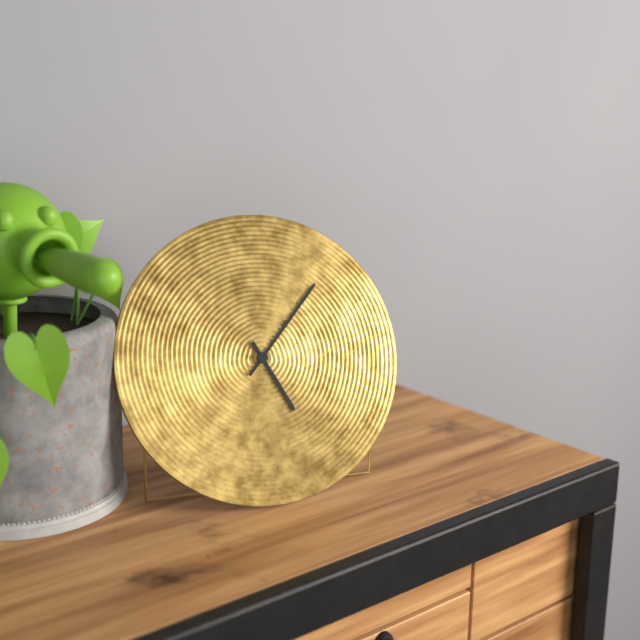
5:07
